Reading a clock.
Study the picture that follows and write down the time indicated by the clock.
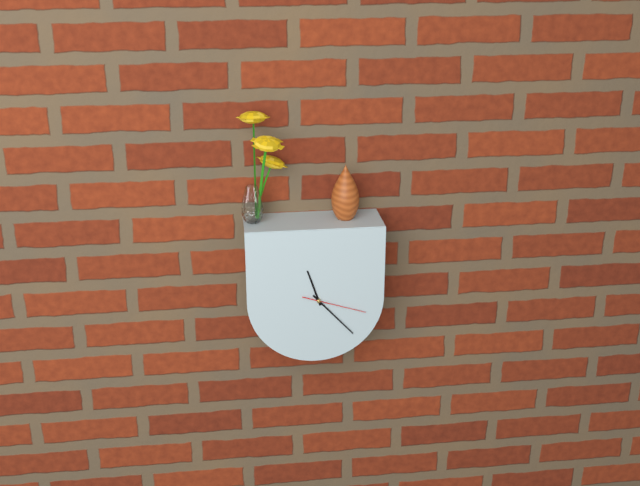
11:23:18
